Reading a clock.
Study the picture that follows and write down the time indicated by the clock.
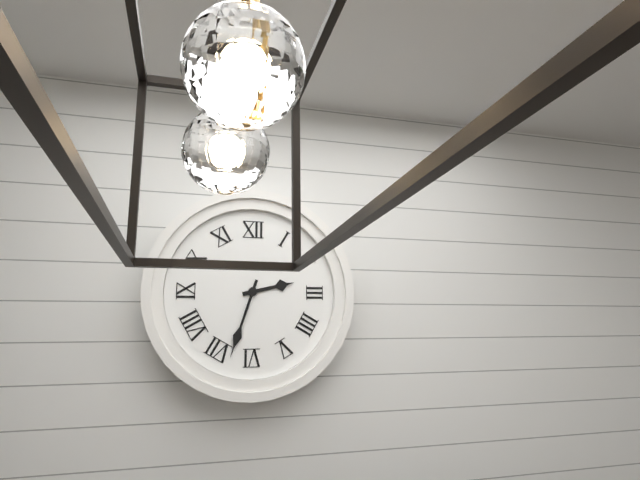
2:33
